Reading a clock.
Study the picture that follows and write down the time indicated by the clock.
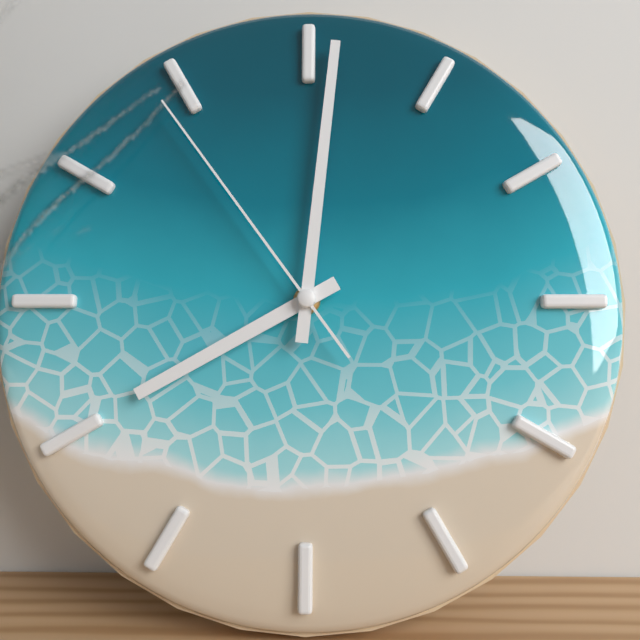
8:01:54
